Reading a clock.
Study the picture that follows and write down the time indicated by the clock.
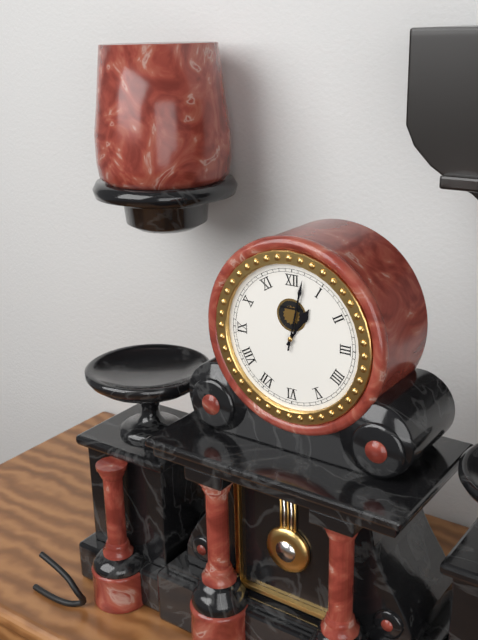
1:02
